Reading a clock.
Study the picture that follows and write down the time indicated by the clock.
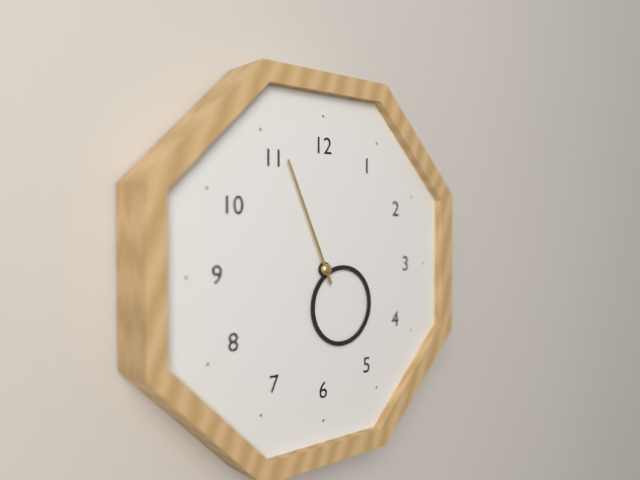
4:56
